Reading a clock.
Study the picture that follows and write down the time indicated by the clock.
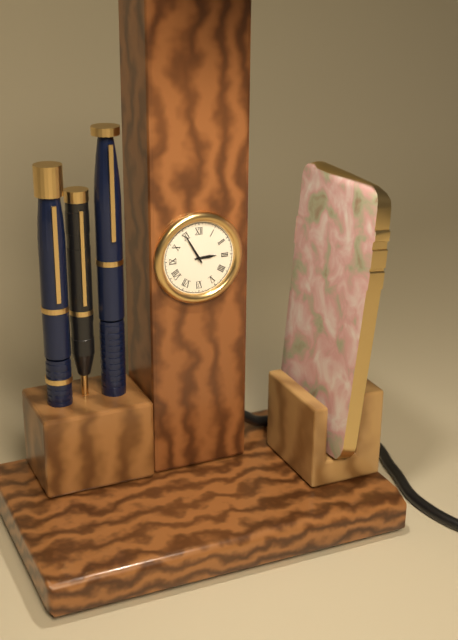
2:55
